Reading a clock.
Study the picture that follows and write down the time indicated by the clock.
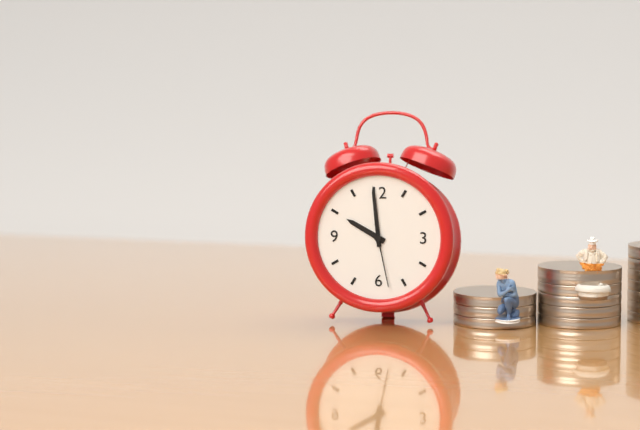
9:59:28
